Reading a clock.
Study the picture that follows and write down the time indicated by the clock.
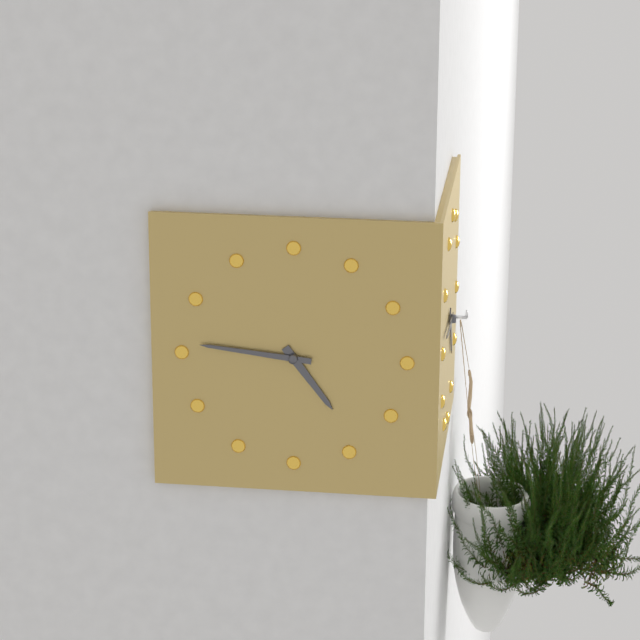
4:46
